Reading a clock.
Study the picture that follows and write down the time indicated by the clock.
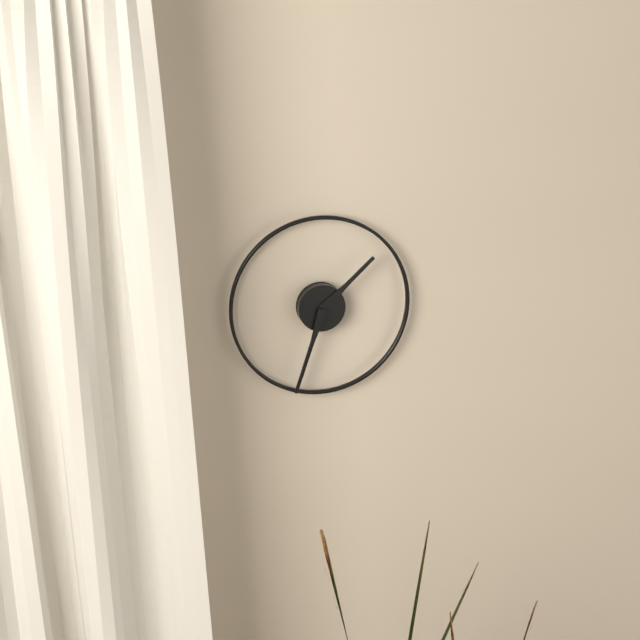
1:33
